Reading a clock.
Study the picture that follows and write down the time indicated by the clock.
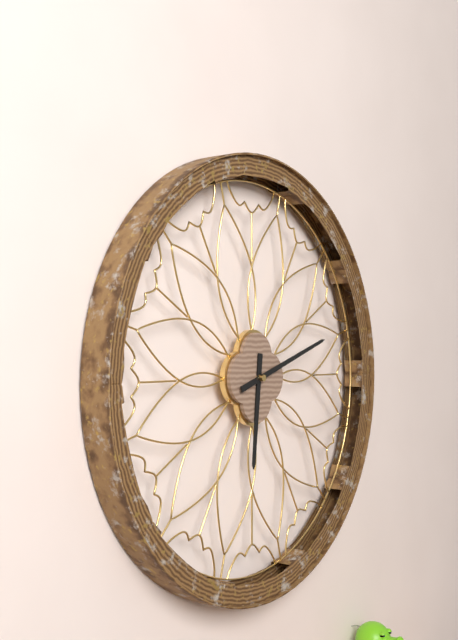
6:12
